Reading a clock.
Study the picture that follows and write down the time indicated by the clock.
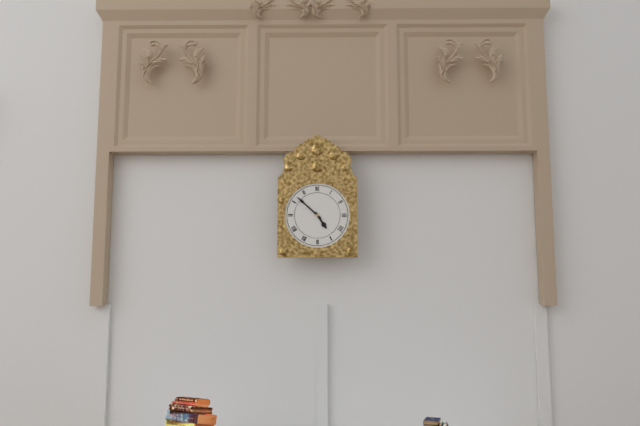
4:52
